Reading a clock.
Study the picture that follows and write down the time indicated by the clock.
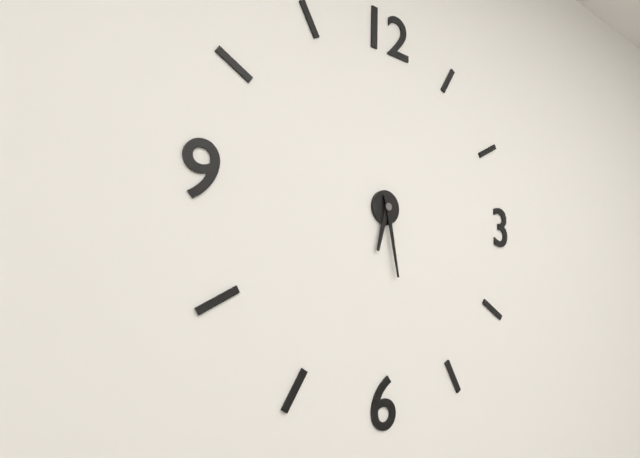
6:28
